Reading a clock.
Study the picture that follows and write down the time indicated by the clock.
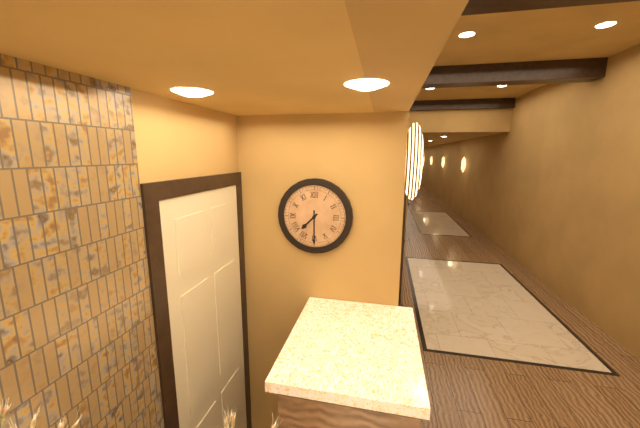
7:30
